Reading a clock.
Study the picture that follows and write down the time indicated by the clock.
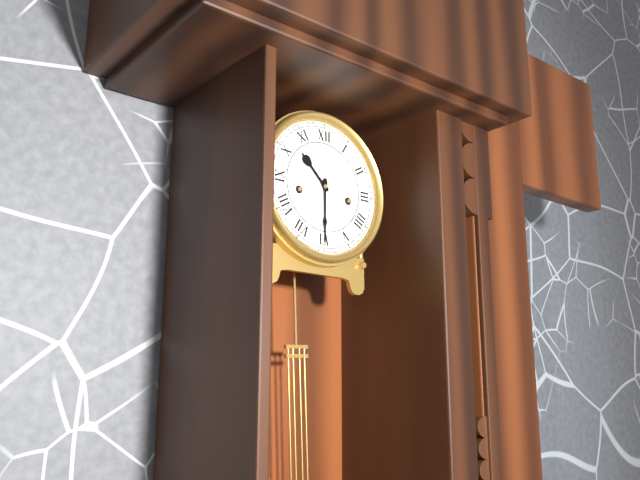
10:30
